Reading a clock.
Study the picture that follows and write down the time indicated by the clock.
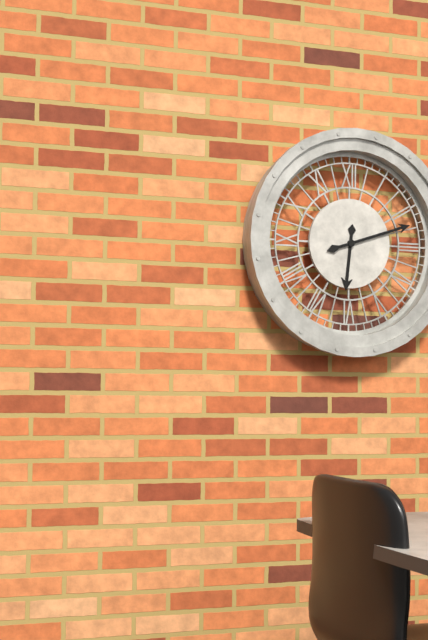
6:12
